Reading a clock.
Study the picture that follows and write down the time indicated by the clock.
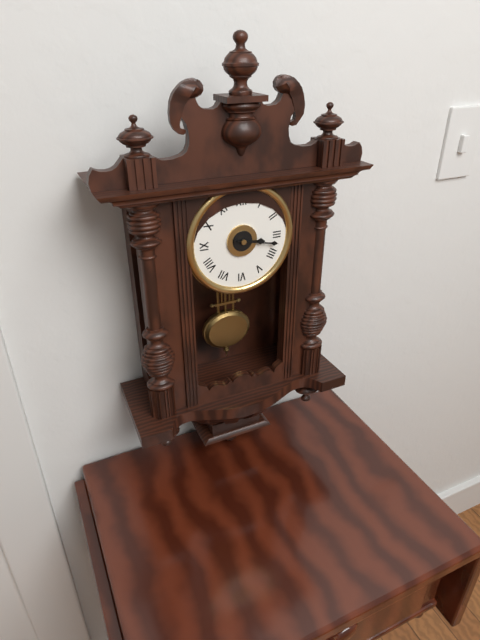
3:17
